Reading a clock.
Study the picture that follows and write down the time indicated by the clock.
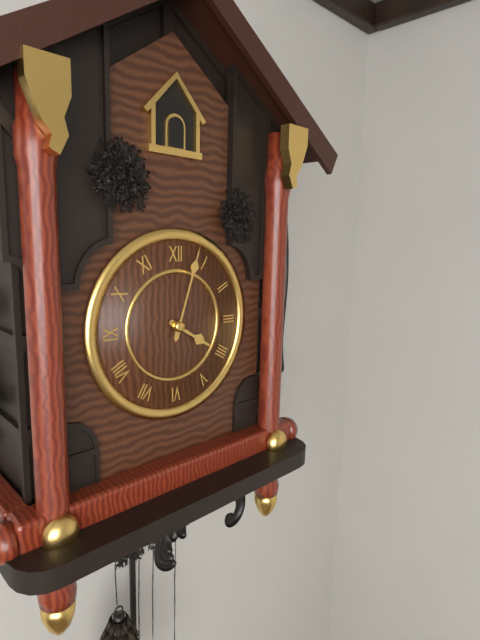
4:03
